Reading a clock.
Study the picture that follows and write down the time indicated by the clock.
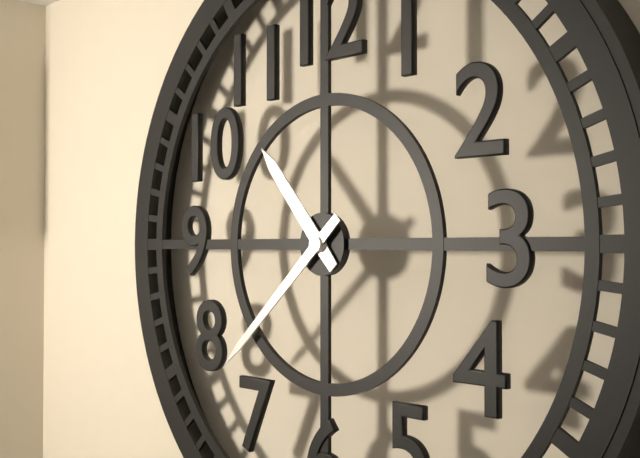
10:38
